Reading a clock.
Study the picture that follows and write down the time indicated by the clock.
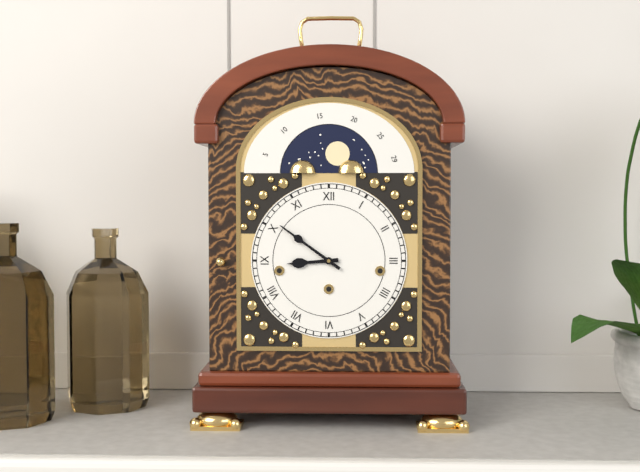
8:51
